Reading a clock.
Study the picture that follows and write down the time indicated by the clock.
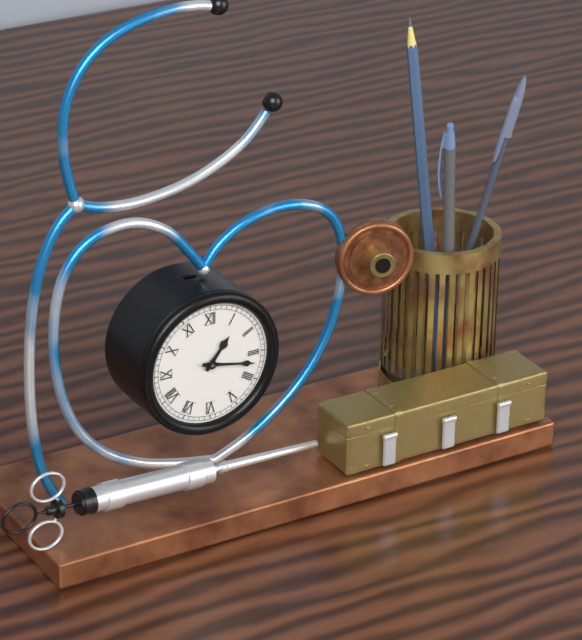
1:17
